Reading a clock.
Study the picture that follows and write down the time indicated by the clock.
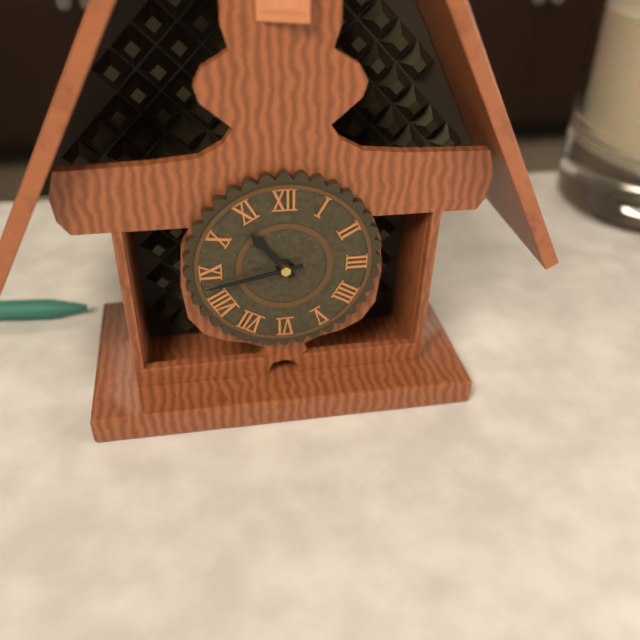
10:43
